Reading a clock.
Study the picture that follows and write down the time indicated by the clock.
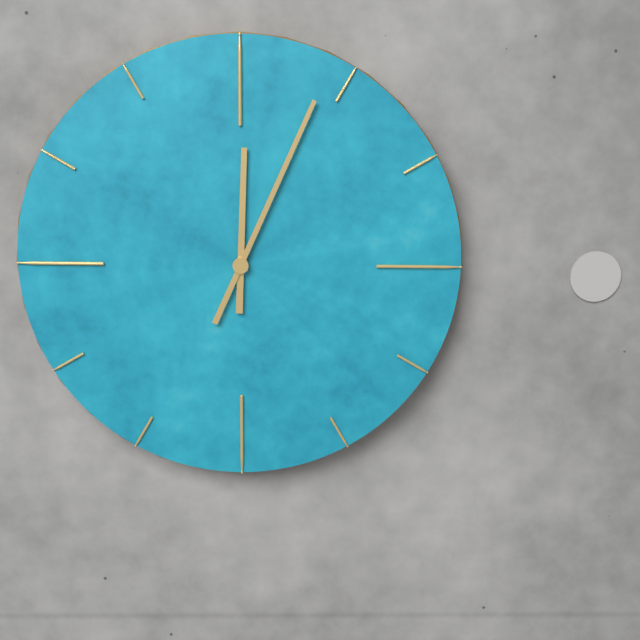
12:04
